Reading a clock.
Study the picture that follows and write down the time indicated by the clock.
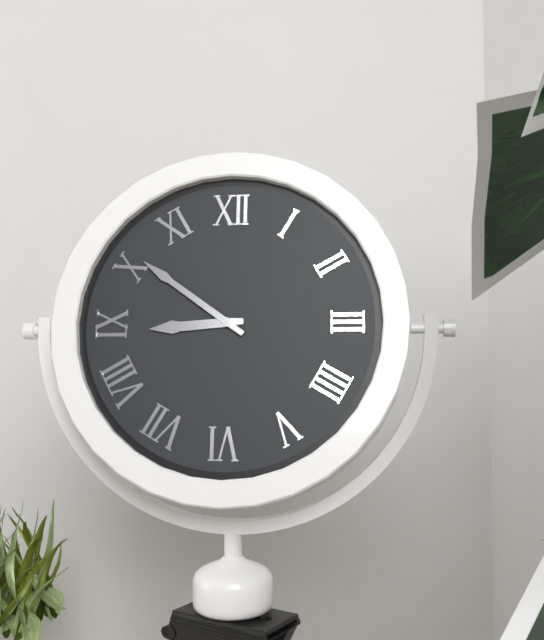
8:51
